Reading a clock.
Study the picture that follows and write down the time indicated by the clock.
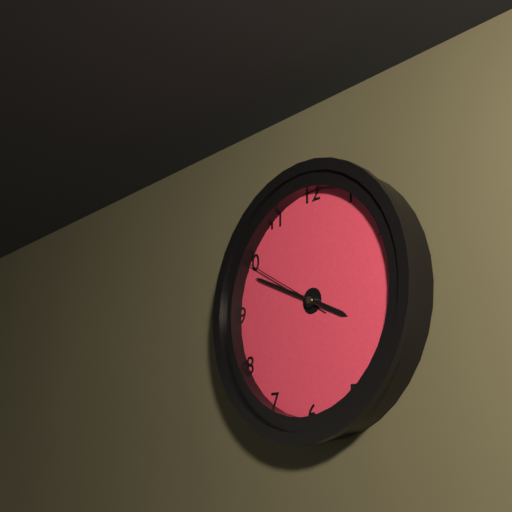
3:49:50
